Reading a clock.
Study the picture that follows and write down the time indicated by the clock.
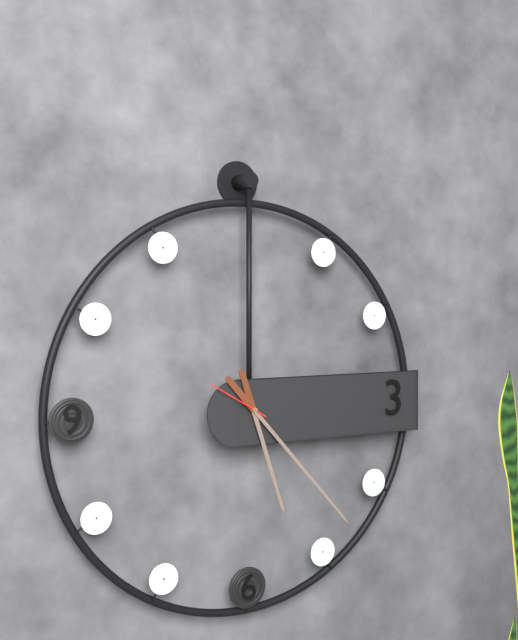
5:23:50
